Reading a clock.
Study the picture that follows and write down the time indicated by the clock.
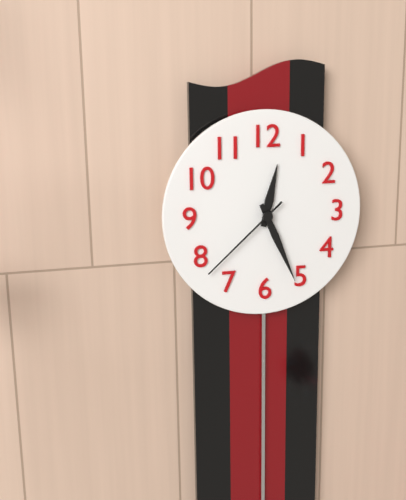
12:26:38
